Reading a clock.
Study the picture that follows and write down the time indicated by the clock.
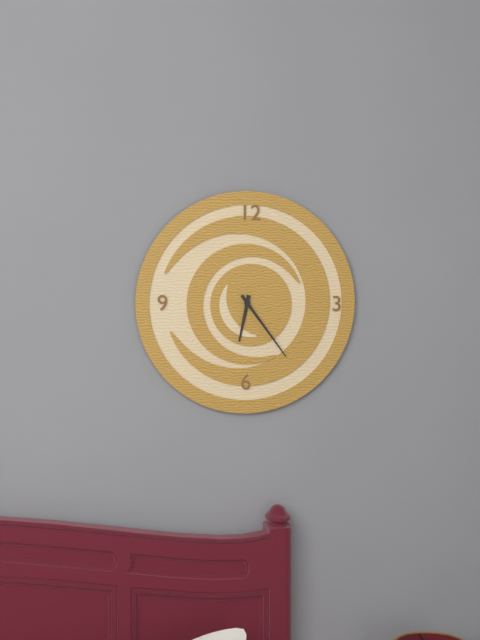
6:24
